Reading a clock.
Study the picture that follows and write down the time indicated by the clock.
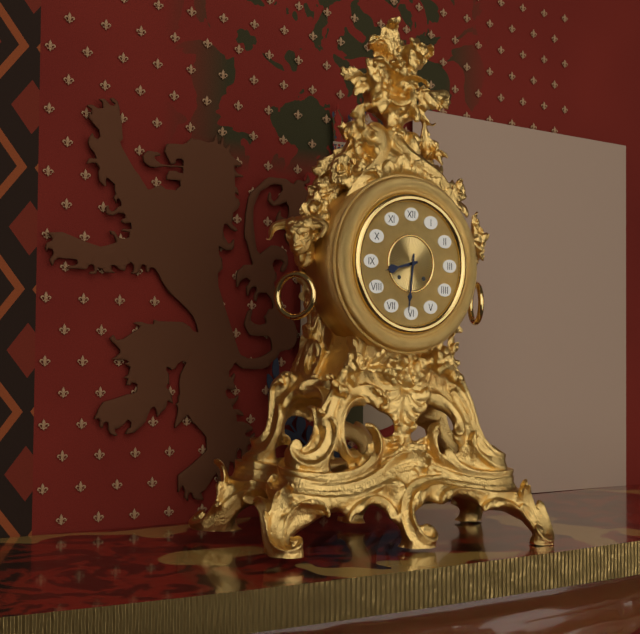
8:31
